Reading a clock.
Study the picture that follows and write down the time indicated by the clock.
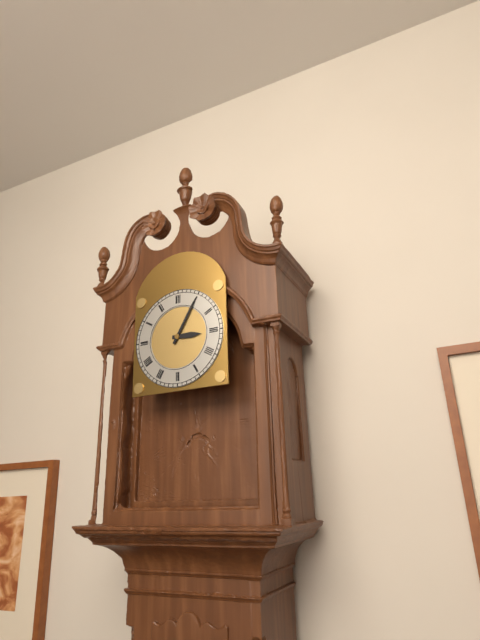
3:05
